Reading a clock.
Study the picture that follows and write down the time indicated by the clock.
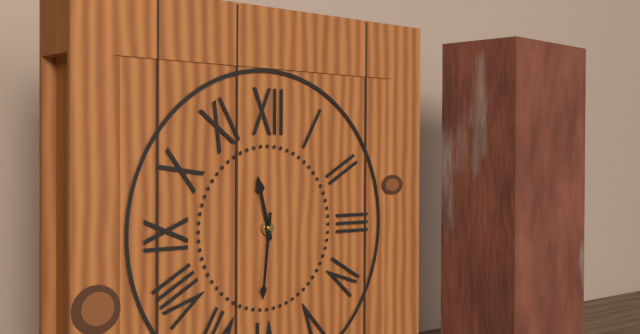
11:31
